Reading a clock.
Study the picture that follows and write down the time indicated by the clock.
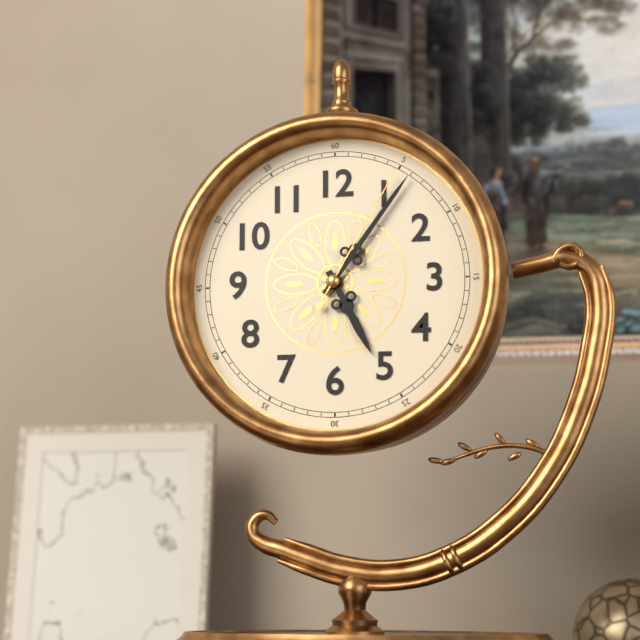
5:06:05
